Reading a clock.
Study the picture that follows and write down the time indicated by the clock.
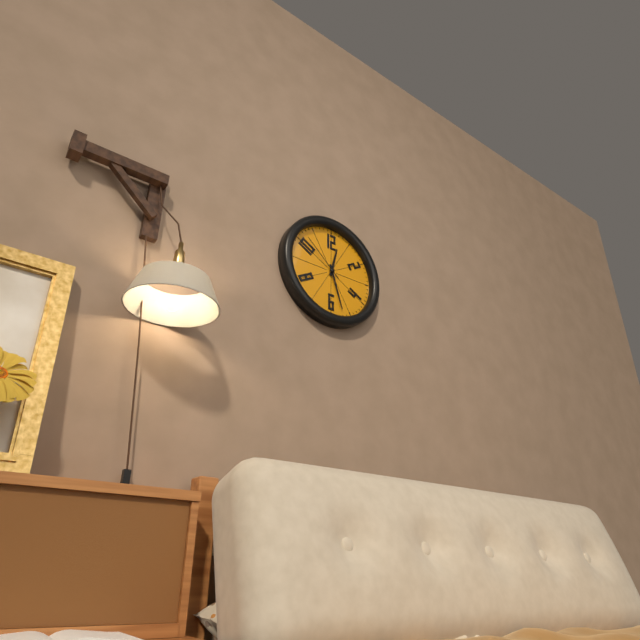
12:27:52
